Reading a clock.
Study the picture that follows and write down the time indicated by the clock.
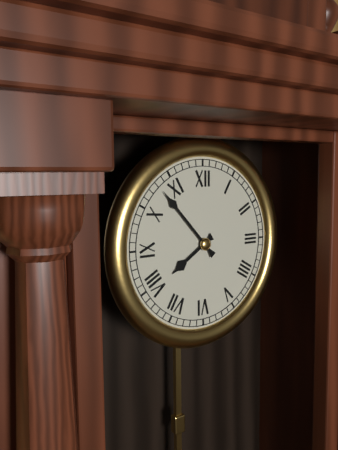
7:53
